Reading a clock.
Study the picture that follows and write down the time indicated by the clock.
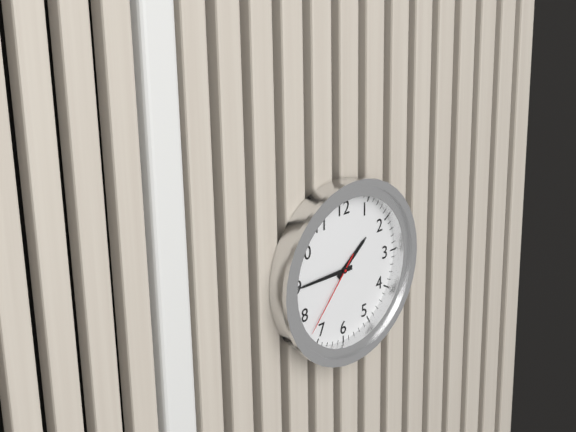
1:45:37
